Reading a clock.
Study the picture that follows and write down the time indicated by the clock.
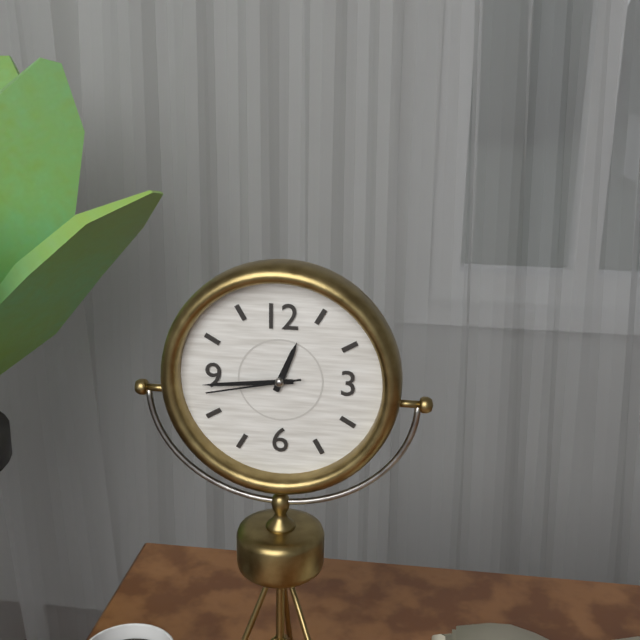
12:44:43
